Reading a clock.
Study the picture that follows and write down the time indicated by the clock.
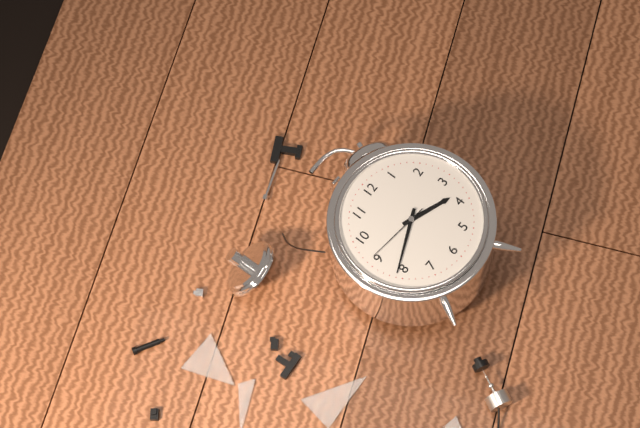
3:41:46
